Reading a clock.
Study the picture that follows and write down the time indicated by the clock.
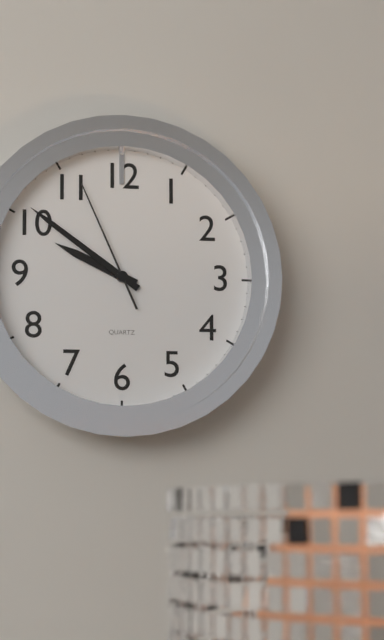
9:51:56
